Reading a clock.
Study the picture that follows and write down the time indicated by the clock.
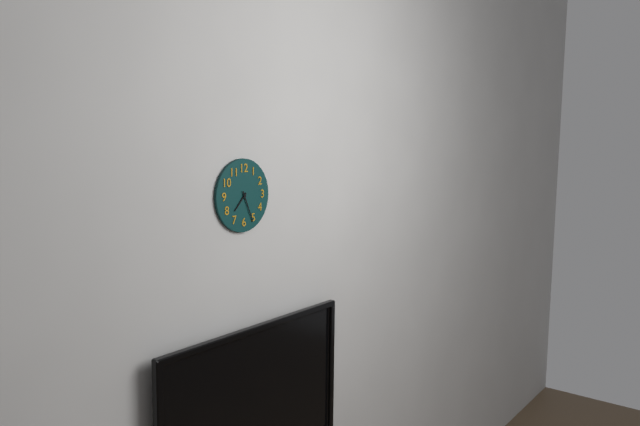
7:26
